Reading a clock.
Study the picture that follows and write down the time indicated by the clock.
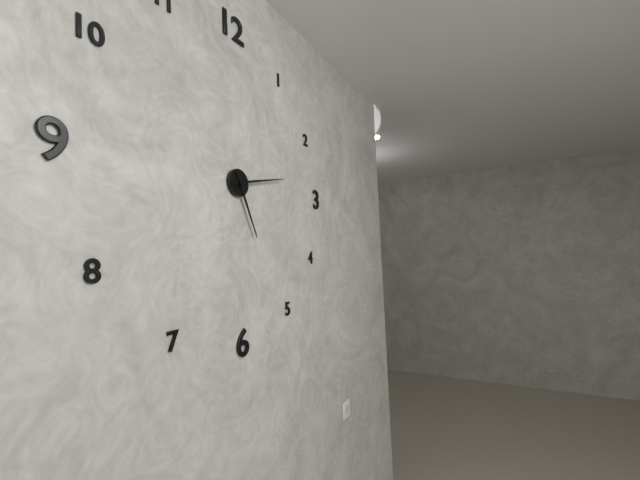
5:13
